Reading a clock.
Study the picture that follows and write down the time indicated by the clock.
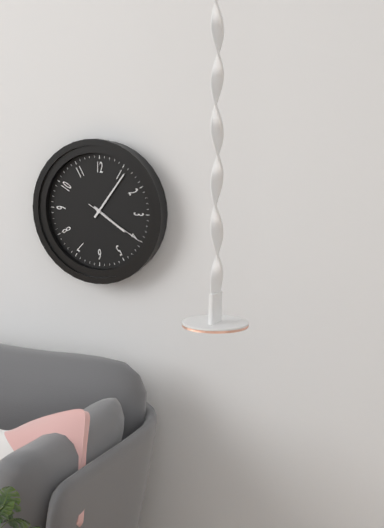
4:06:20
